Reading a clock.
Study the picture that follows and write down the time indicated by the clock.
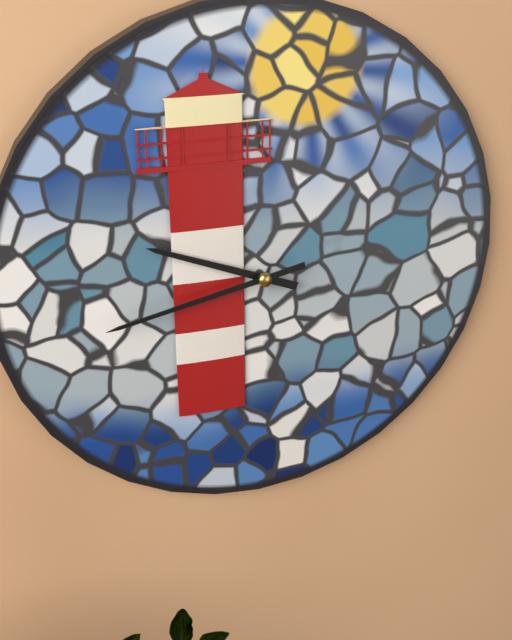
9:43
